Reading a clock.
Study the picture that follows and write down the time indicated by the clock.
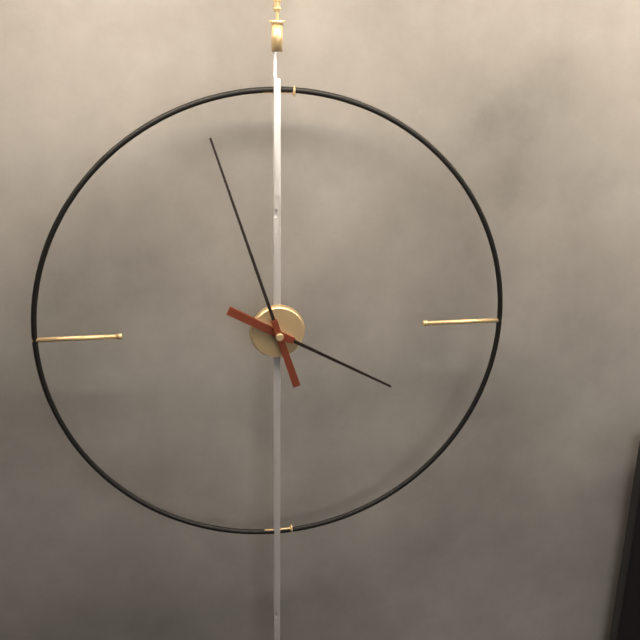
3:57
